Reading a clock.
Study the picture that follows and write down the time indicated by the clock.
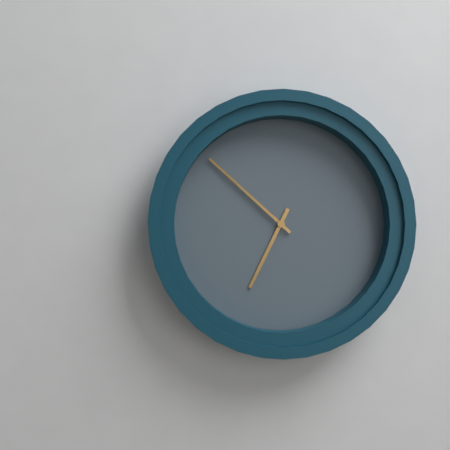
6:52
